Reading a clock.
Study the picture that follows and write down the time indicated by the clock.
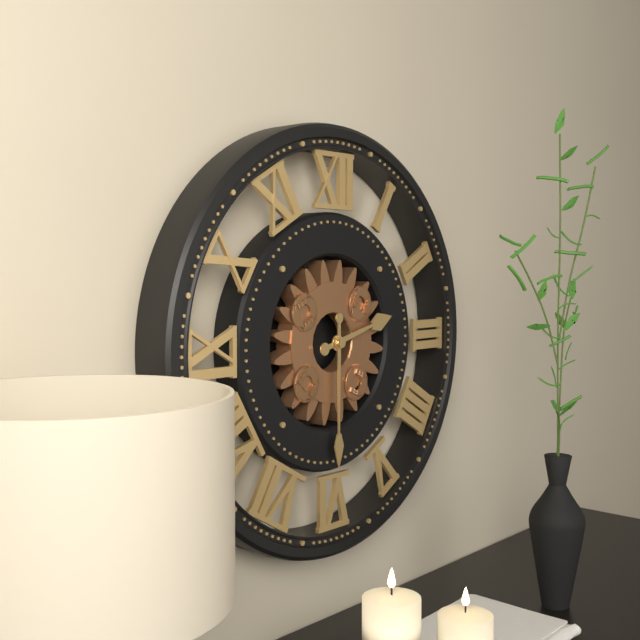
2:30
